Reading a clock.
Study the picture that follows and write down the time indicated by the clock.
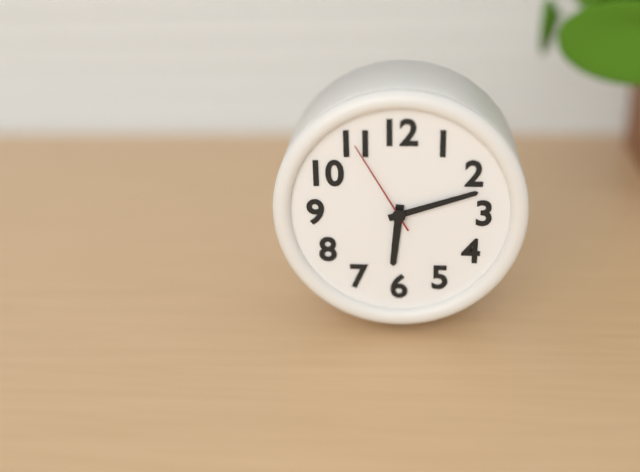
6:12:55
